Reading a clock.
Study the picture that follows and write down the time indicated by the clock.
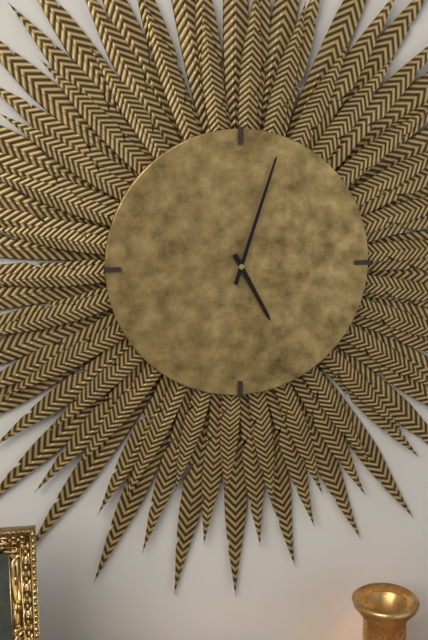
5:03
